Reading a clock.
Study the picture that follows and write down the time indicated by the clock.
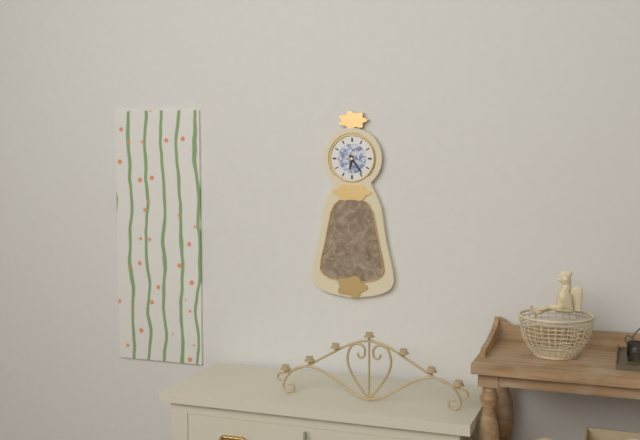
6:24
